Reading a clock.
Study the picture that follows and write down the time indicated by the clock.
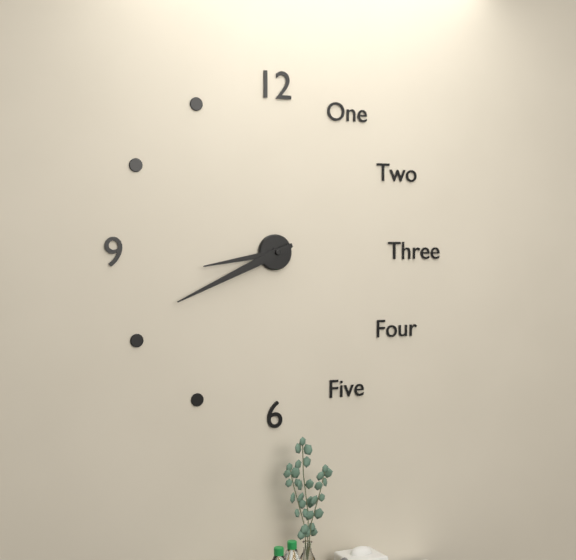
8:41
